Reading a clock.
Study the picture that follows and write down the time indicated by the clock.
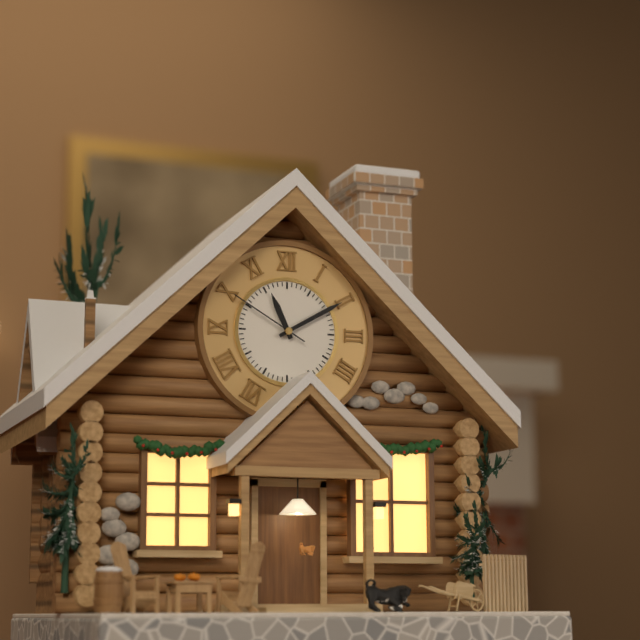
11:10:50
